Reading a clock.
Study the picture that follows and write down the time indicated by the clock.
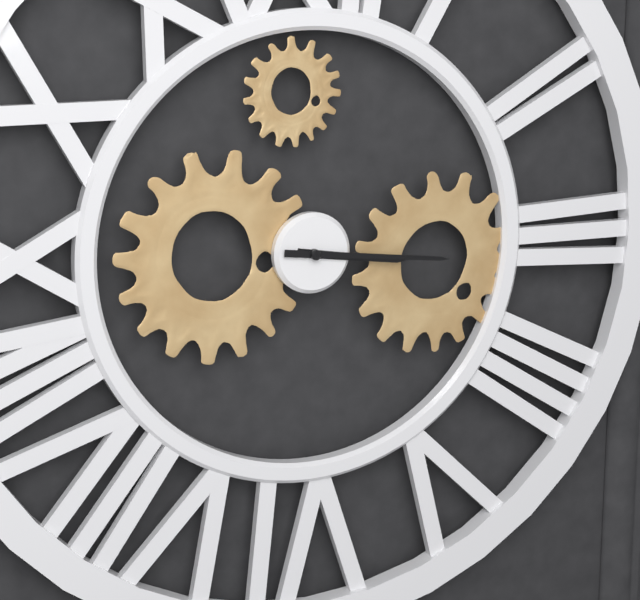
3:16
